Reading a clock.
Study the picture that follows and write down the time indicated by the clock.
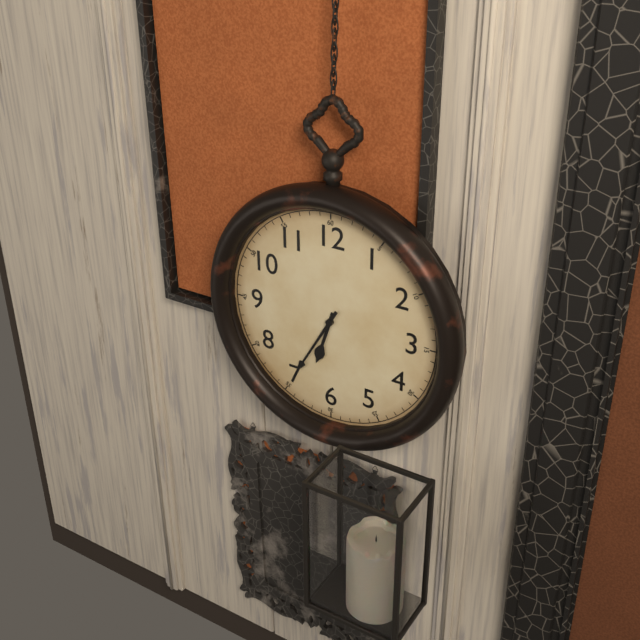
6:35
